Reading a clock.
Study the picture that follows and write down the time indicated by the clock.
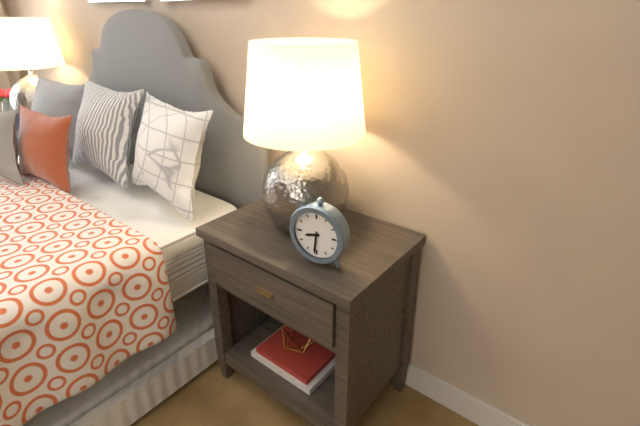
8:31
